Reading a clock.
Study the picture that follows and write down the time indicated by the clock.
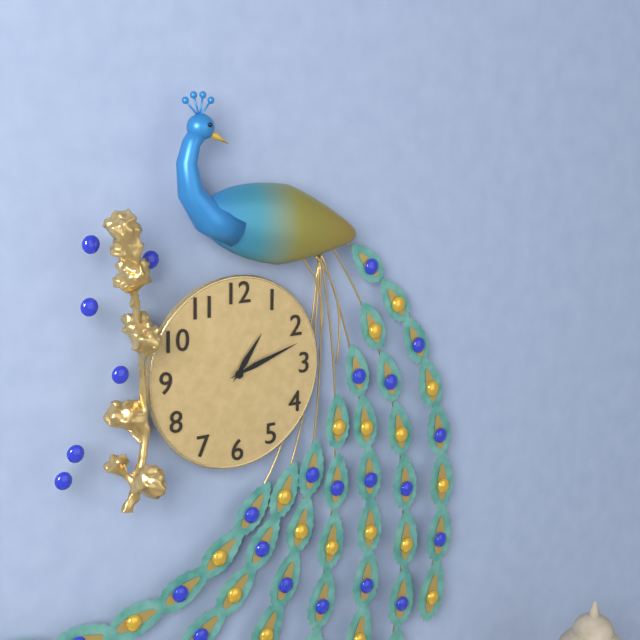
1:12
